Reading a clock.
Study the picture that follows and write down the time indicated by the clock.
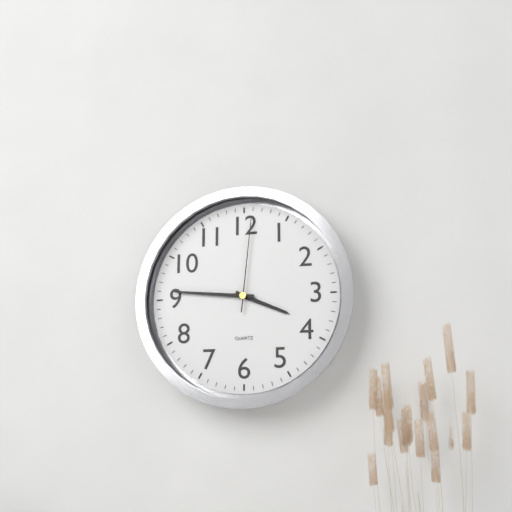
3:46:01
